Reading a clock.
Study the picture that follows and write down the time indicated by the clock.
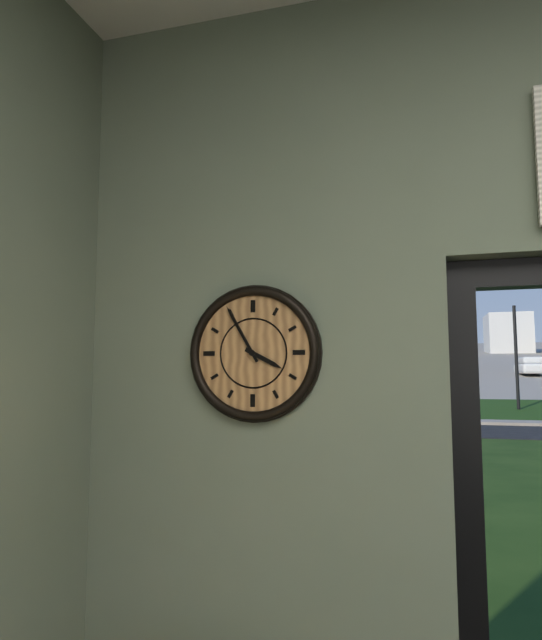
3:55
